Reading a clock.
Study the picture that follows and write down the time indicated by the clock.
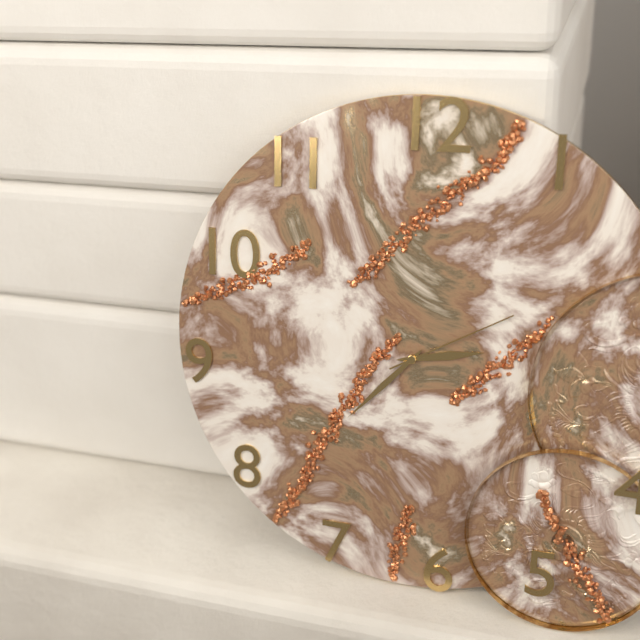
2:37:10
